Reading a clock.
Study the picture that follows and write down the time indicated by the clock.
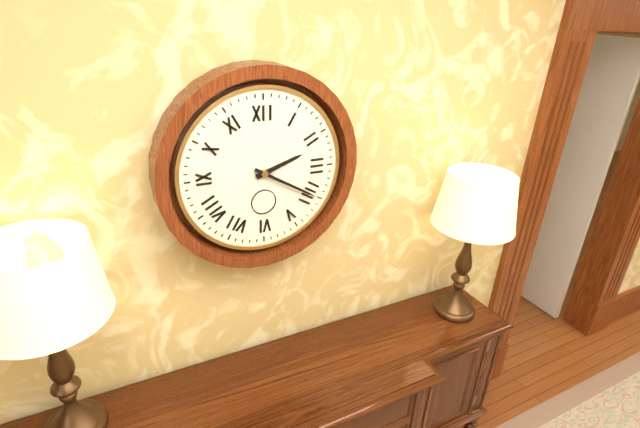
2:20
